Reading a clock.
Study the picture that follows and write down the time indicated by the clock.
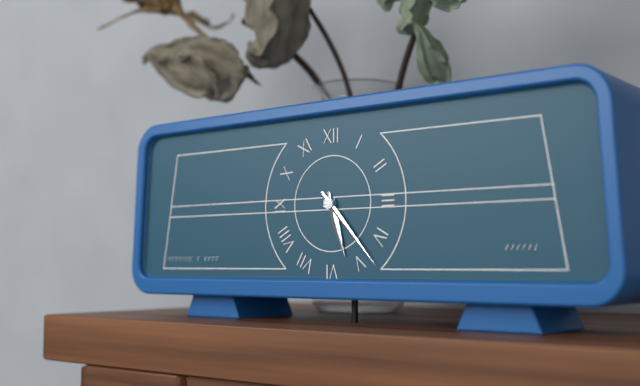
5:23
